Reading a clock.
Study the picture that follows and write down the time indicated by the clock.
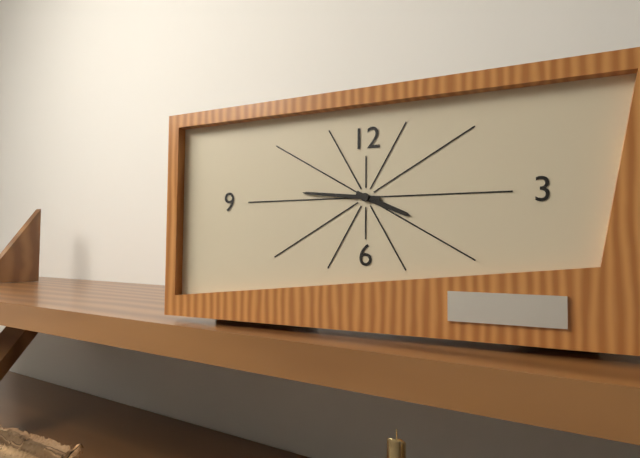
3:46
